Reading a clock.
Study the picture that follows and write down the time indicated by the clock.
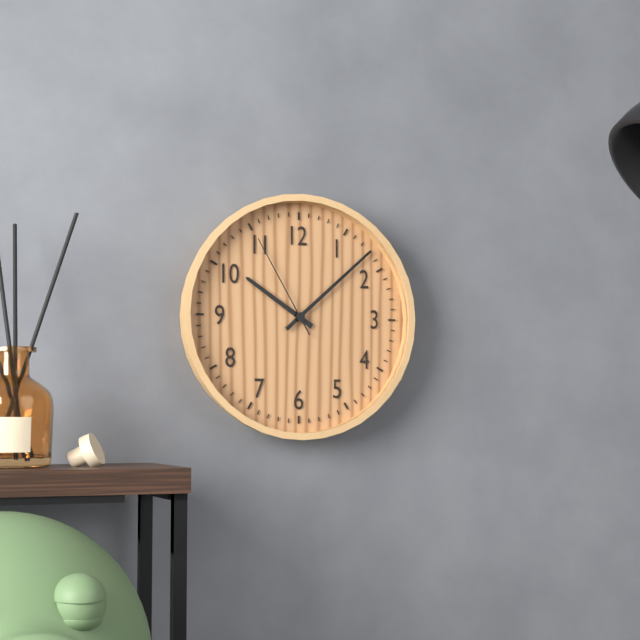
10:08:55
